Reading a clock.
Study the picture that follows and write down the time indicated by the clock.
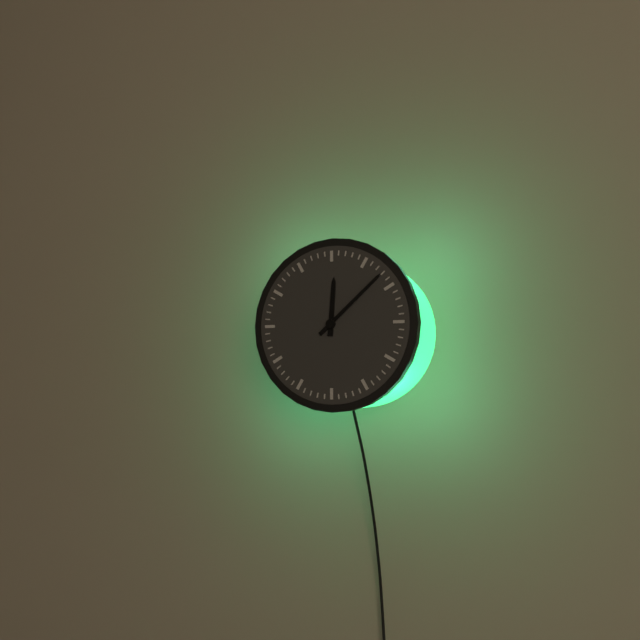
12:08
